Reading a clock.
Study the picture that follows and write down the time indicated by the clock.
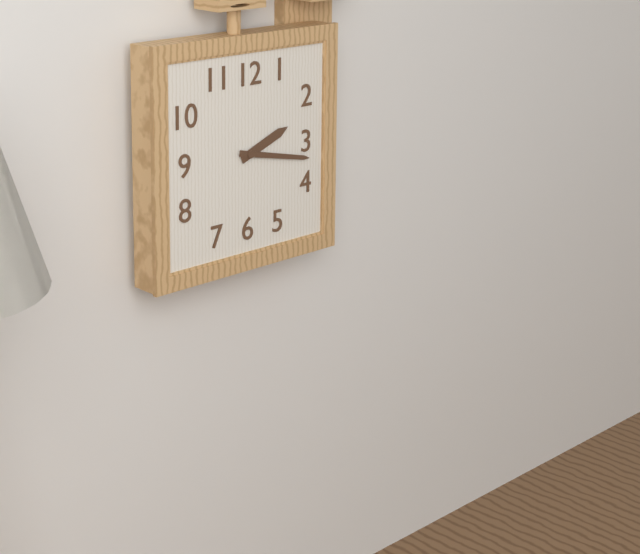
2:17
